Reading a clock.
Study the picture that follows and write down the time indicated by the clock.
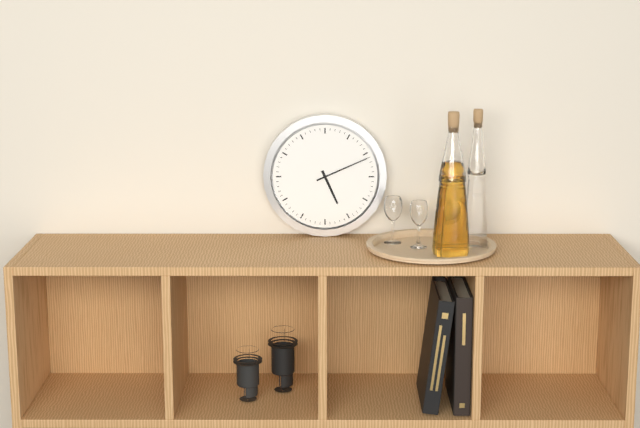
5:11
